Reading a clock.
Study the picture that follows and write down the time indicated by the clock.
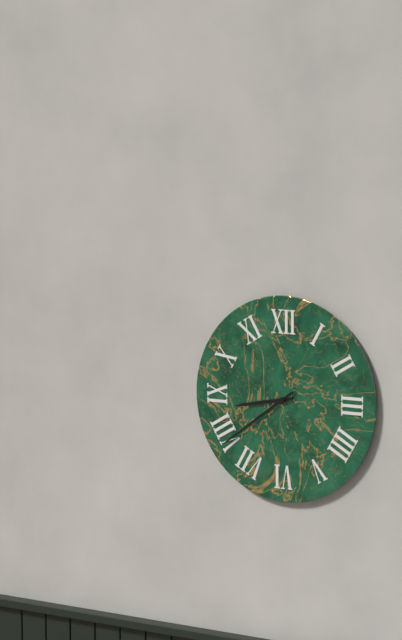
8:39
